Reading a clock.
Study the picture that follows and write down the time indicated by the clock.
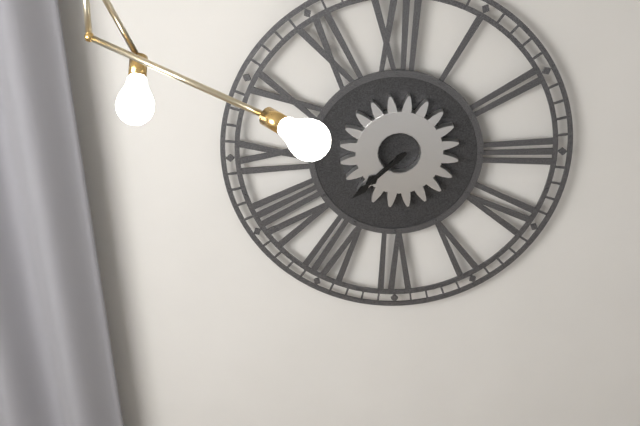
7:38
